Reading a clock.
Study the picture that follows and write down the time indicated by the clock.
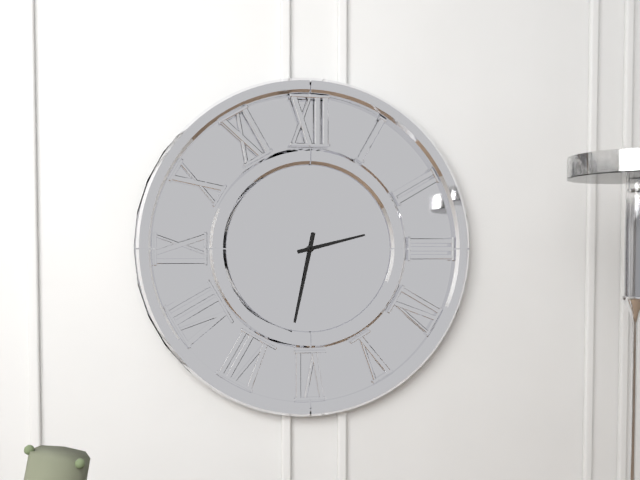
2:32
